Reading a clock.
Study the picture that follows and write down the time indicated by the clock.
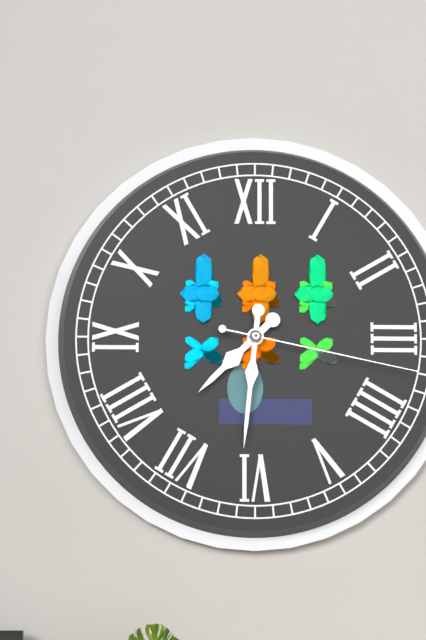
7:31:17
